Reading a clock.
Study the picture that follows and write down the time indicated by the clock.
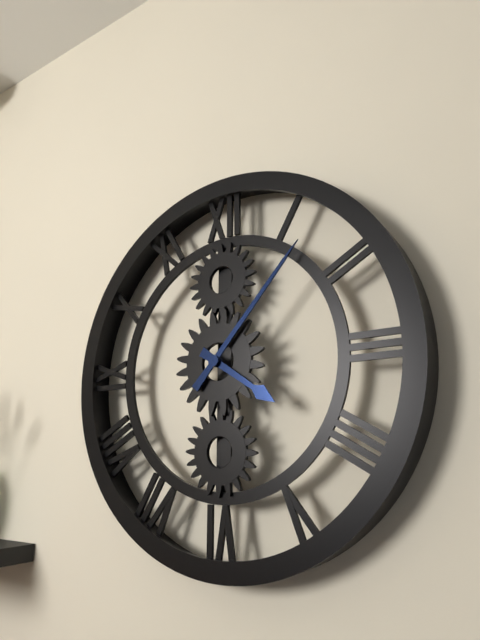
4:07
